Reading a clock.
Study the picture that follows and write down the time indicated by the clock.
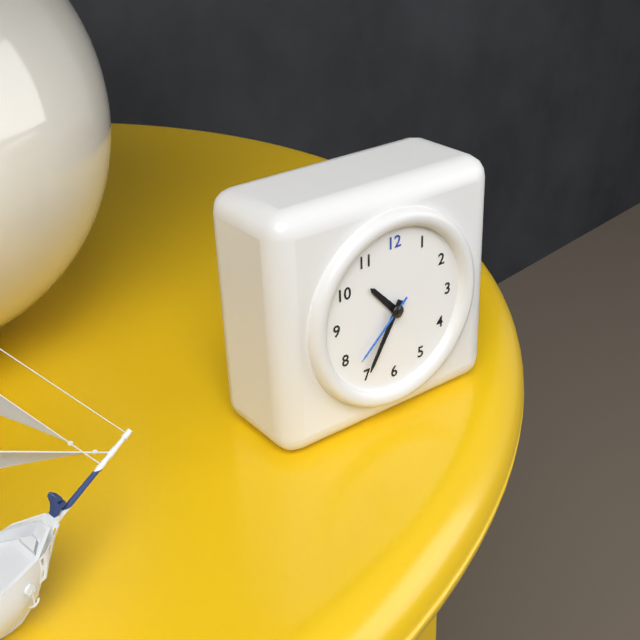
10:35:38
